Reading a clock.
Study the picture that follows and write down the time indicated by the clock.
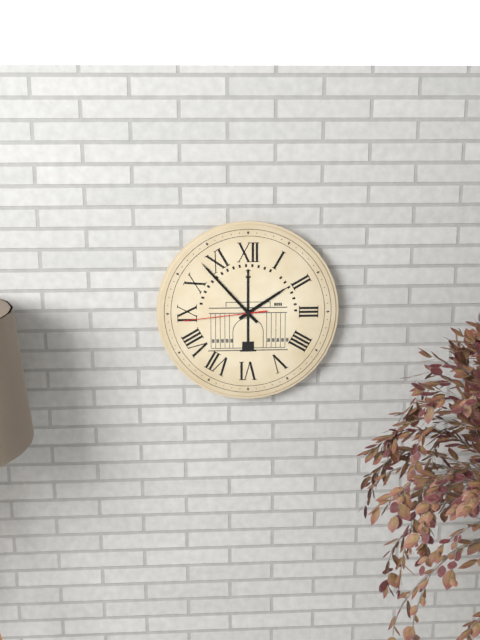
1:53:44
